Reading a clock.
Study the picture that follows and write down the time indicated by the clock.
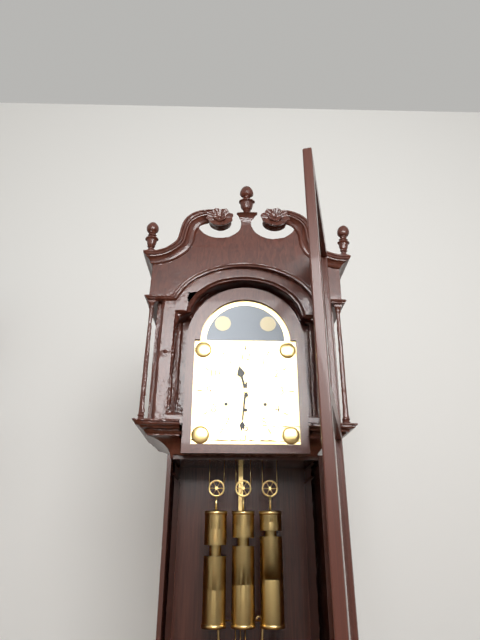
11:31
